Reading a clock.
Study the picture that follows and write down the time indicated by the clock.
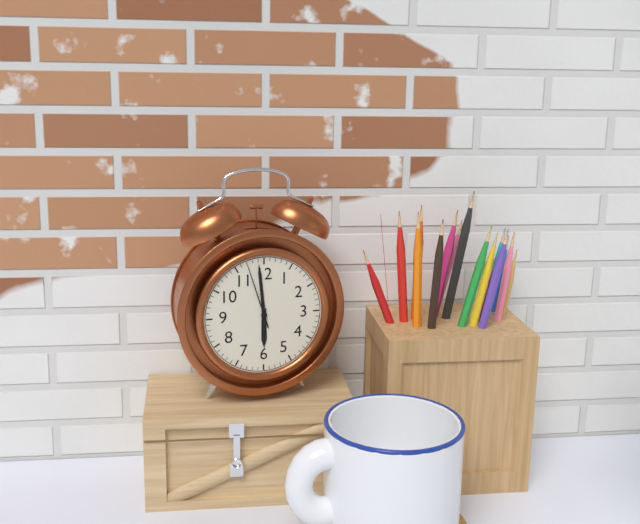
5:59:57
